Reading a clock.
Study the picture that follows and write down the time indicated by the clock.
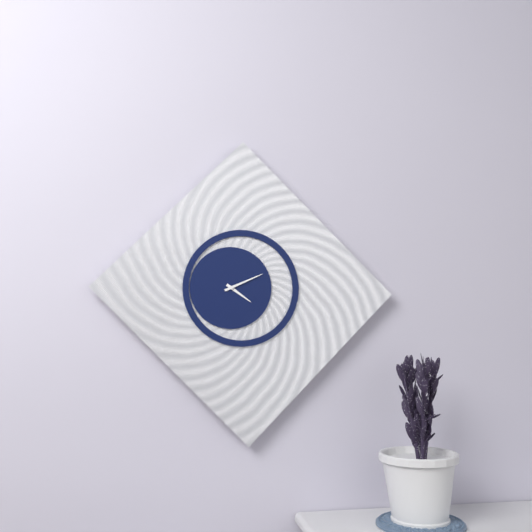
4:11
